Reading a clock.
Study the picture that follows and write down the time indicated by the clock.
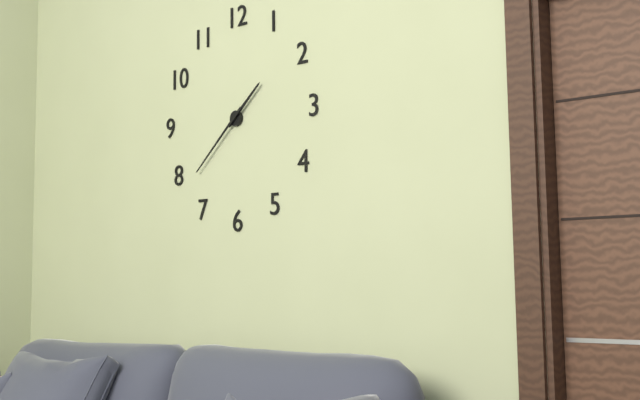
1:38
